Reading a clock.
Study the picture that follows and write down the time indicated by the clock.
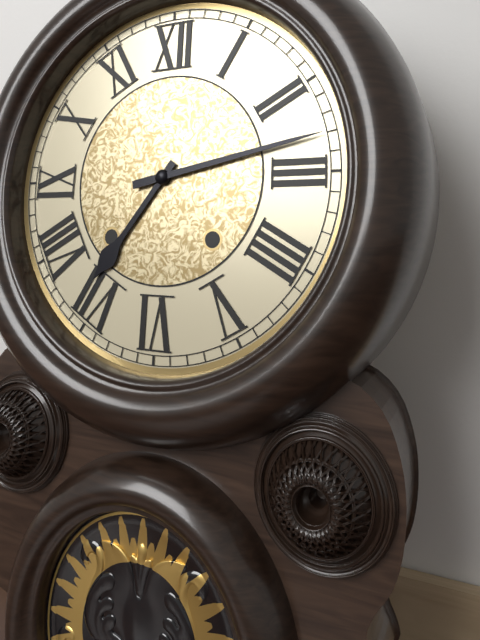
7:13
